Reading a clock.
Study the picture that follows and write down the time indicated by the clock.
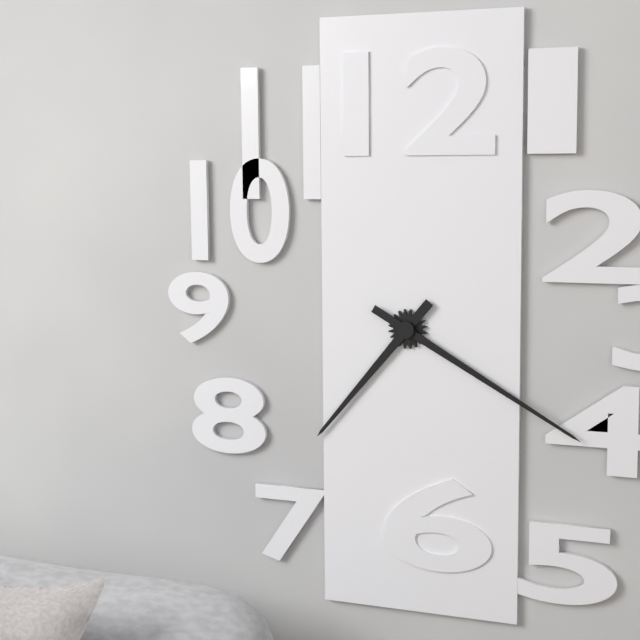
7:20
